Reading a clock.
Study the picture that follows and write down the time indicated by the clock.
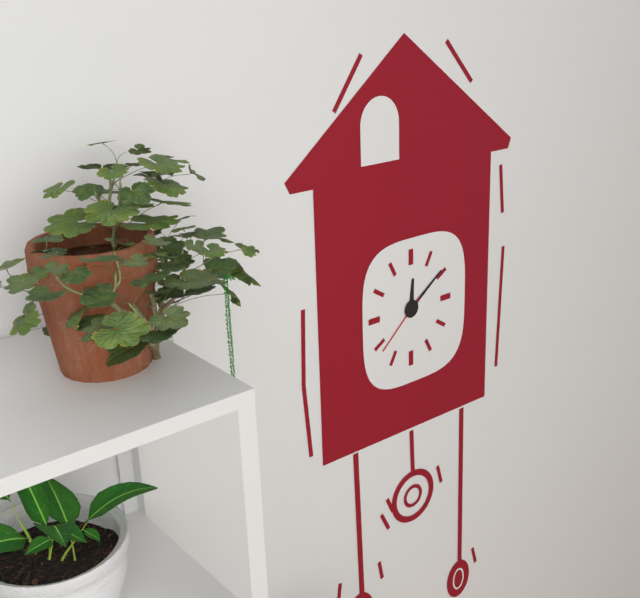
12:09:38
